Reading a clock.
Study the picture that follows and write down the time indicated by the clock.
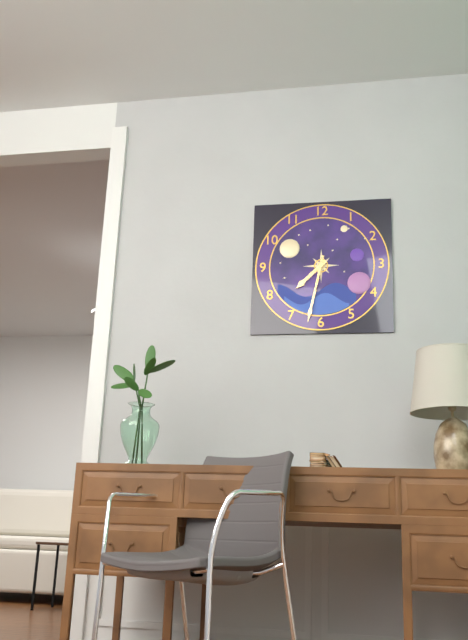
7:32
